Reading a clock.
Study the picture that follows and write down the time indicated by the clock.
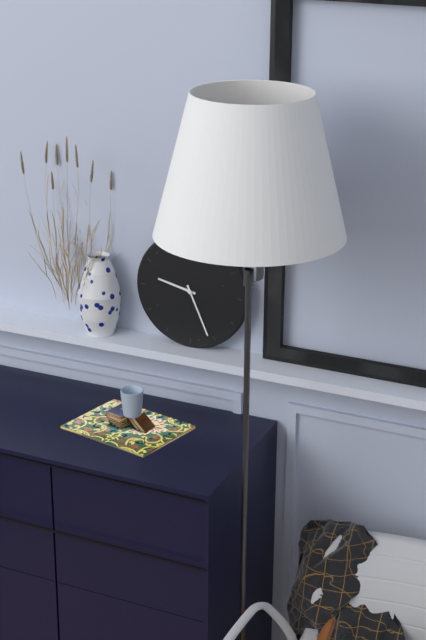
9:26
